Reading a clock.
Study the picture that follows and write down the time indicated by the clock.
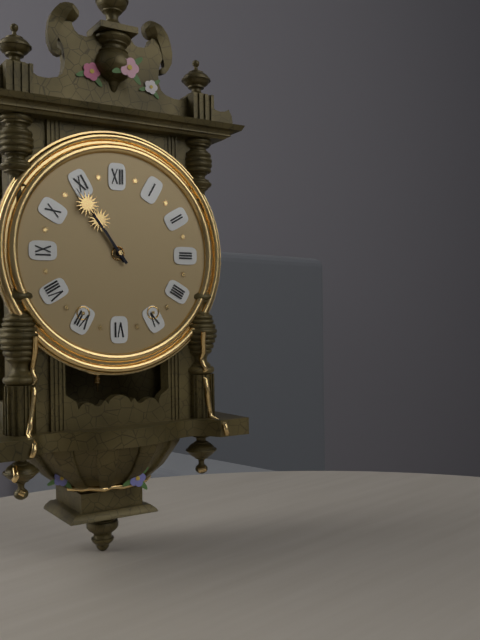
10:54
